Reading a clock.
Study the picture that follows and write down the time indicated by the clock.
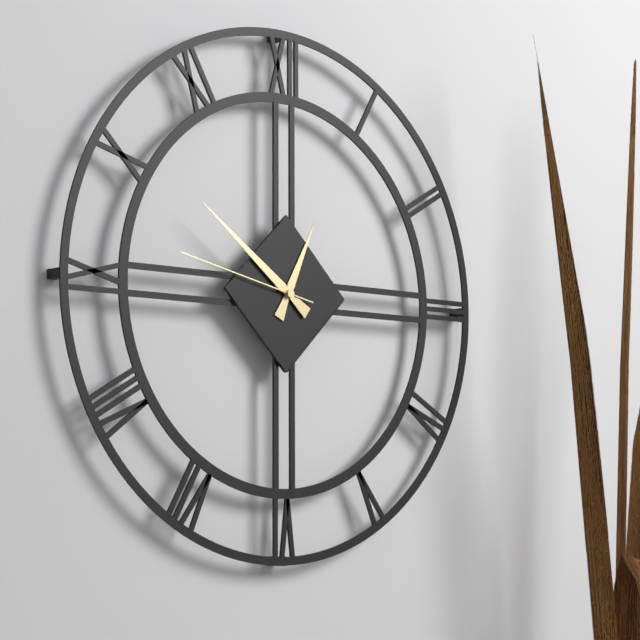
12:51:47
